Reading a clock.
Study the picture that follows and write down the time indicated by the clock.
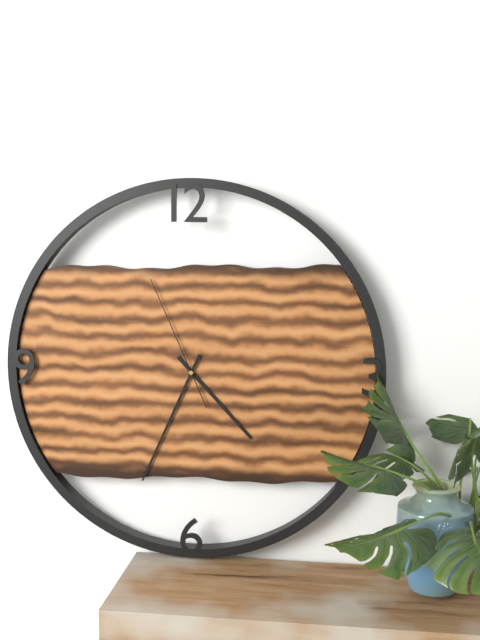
4:34:56
